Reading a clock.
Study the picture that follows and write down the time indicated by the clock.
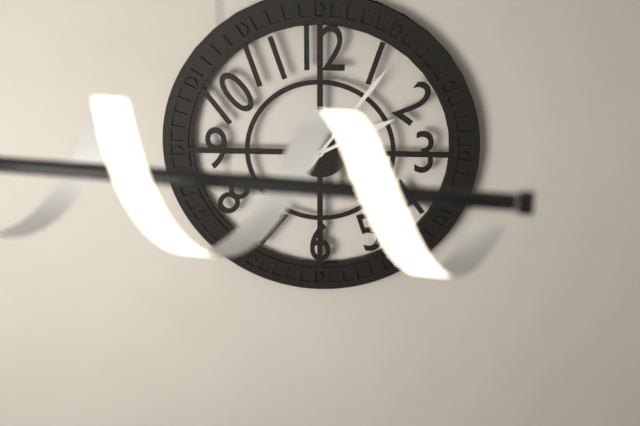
2:06
